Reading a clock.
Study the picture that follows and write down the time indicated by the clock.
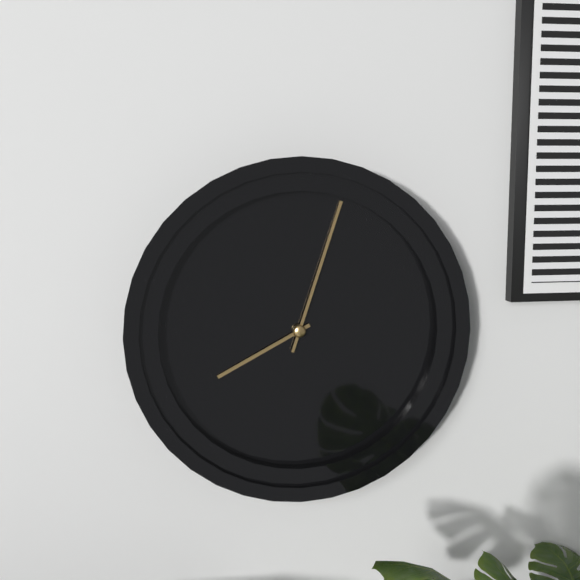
8:03
